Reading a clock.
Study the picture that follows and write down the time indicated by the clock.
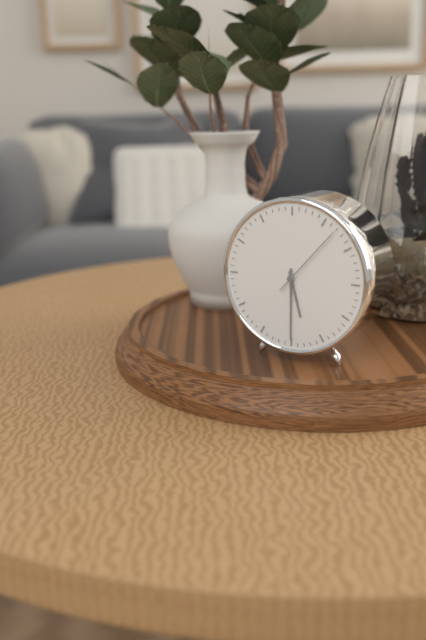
5:30:07
